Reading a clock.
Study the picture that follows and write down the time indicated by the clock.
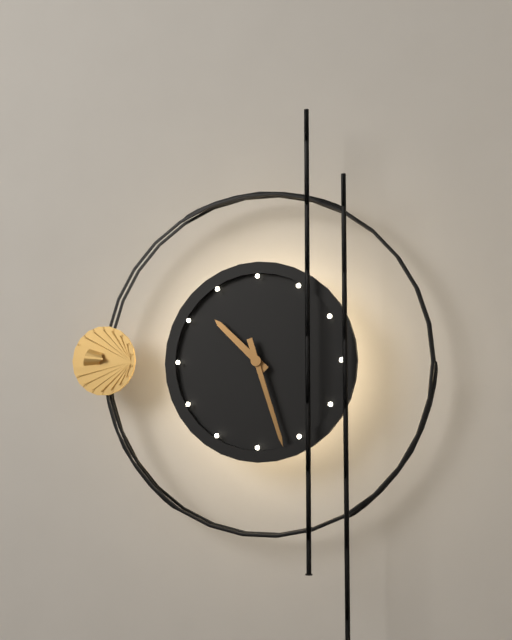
10:27
